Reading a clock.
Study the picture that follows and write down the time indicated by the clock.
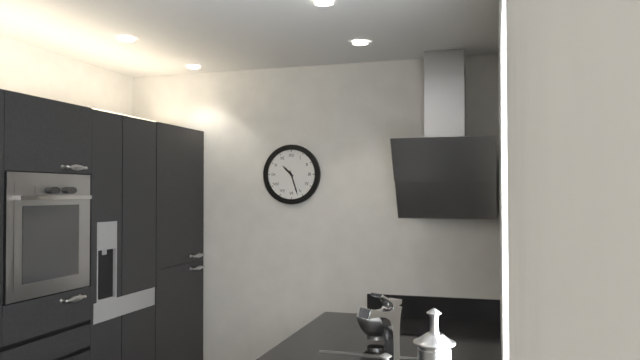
10:27
